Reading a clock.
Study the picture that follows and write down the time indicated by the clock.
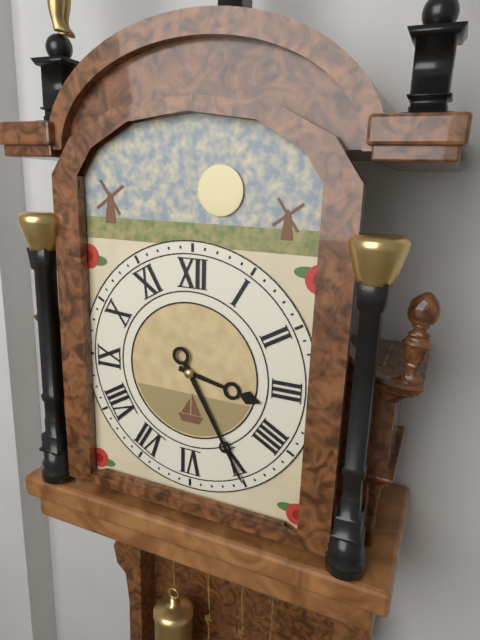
3:25
